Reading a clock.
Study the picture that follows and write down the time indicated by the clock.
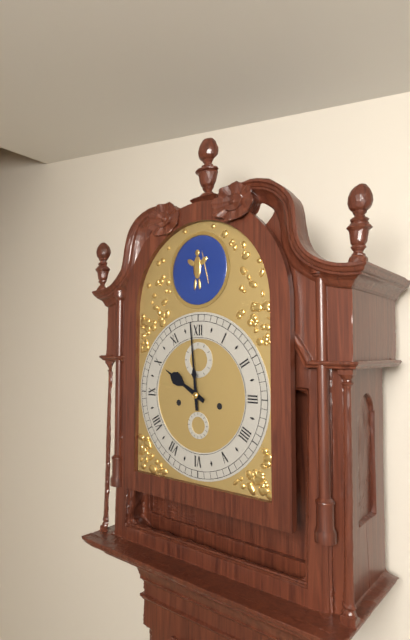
9:59
